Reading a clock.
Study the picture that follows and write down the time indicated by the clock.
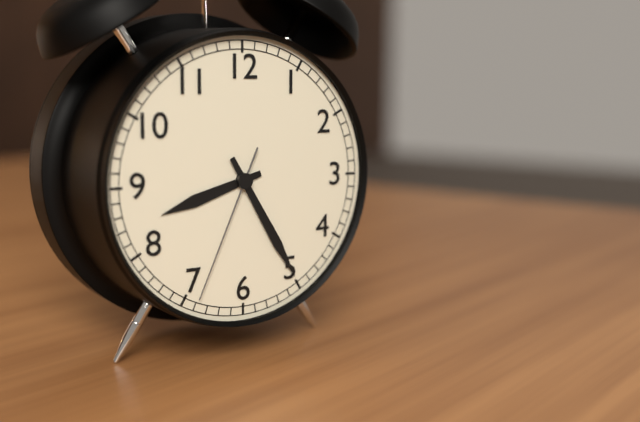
8:25:34
